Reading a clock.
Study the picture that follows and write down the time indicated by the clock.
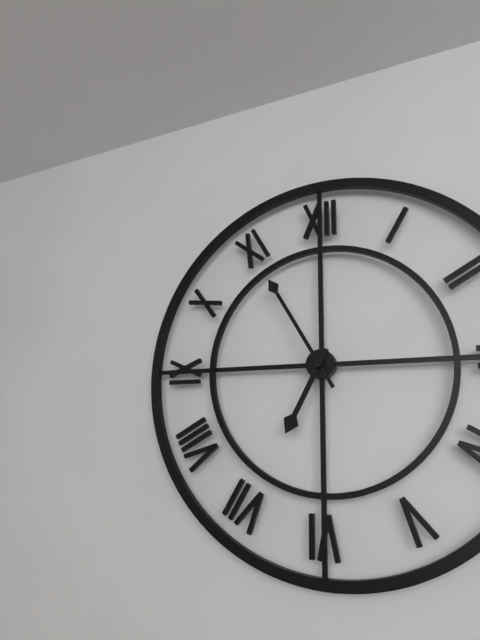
6:55
